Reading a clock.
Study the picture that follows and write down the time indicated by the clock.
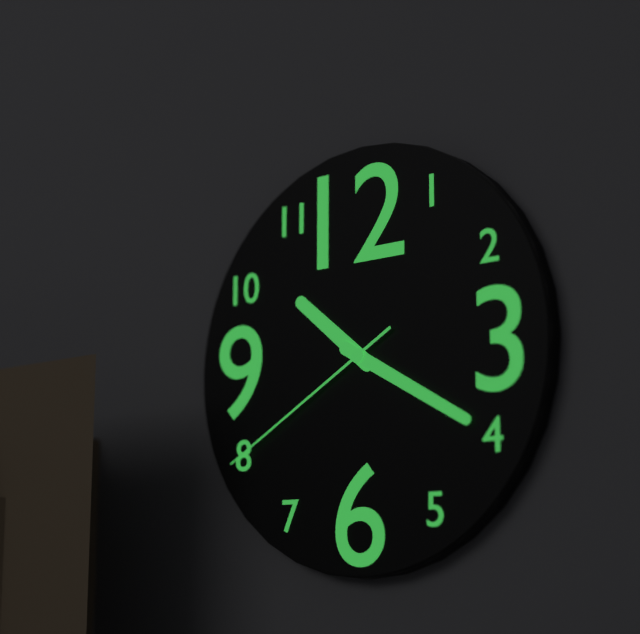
10:20:40
